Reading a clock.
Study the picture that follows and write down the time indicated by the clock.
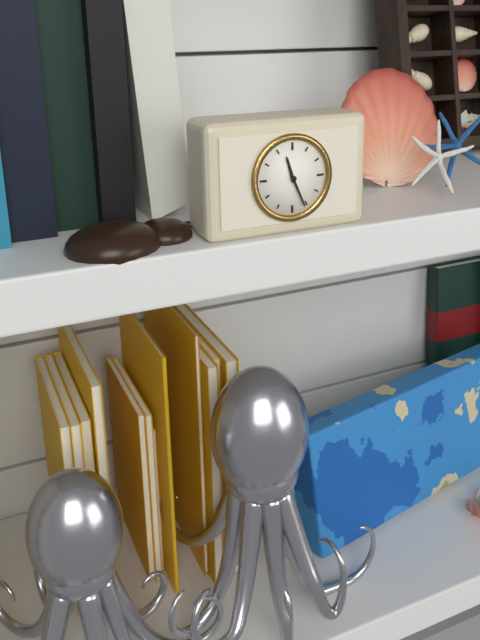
11:26
